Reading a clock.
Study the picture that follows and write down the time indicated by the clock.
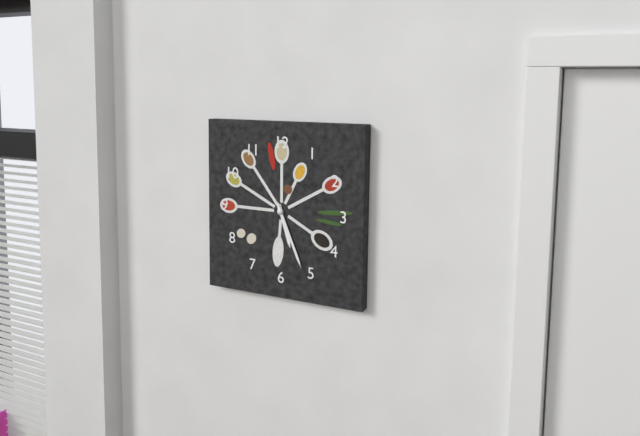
5:26
